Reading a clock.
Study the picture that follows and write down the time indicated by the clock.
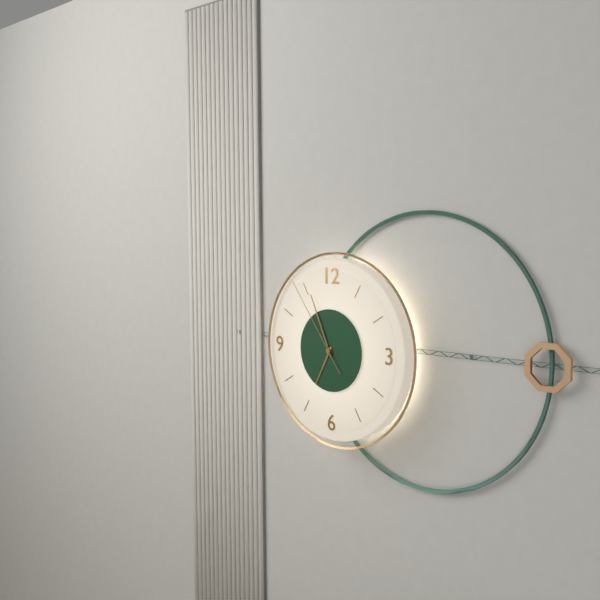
6:56:54
